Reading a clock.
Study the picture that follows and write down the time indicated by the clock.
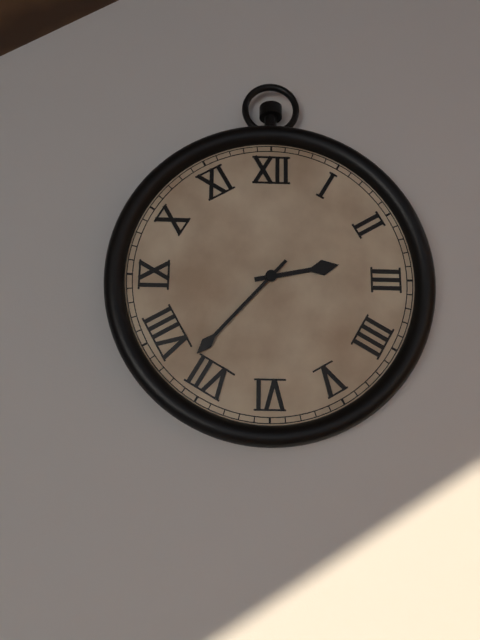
2:37
